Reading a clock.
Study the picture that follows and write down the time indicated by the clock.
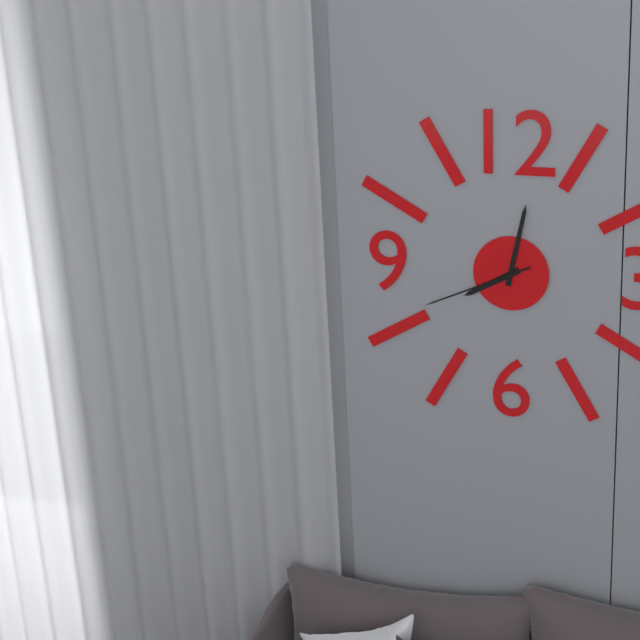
8:02:41
